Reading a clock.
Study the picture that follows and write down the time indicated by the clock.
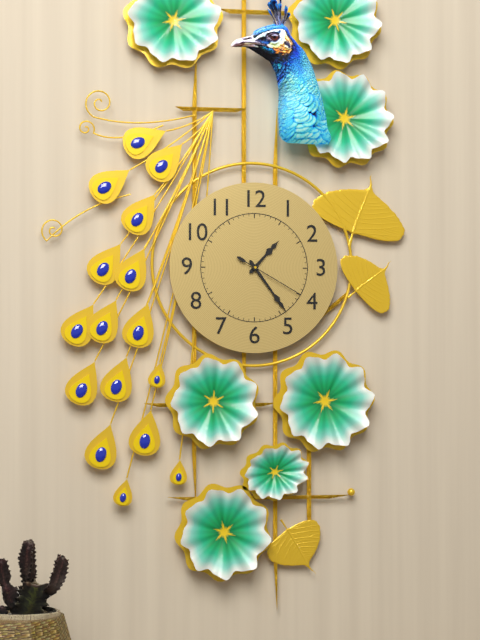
1:24:20
